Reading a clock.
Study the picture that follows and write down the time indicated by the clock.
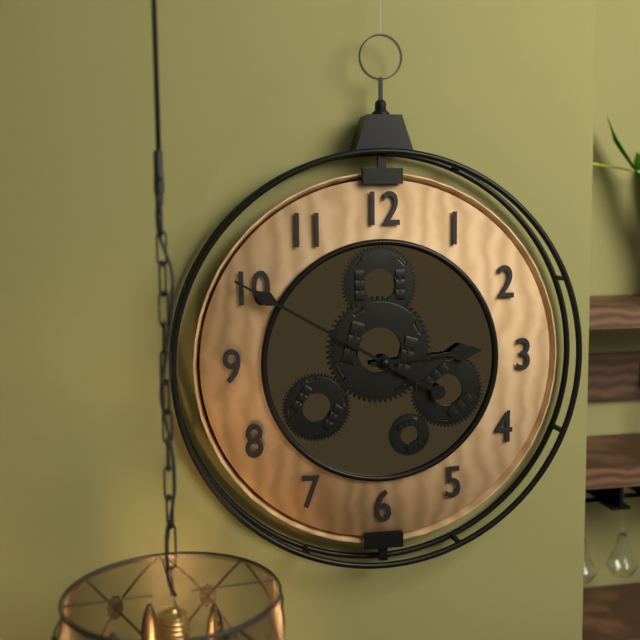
2:50
